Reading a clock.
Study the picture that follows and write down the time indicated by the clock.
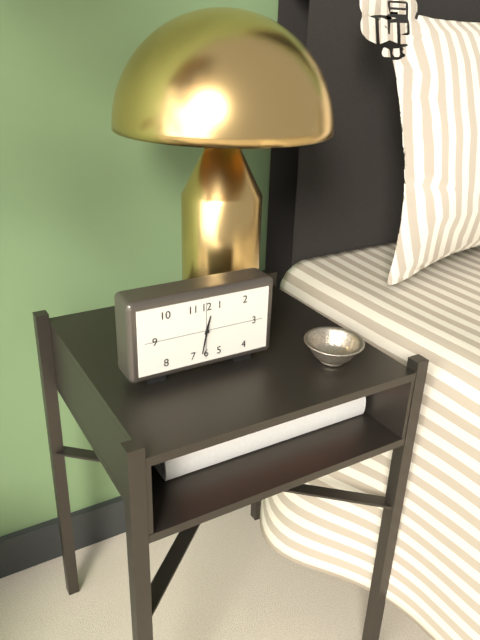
12:32
